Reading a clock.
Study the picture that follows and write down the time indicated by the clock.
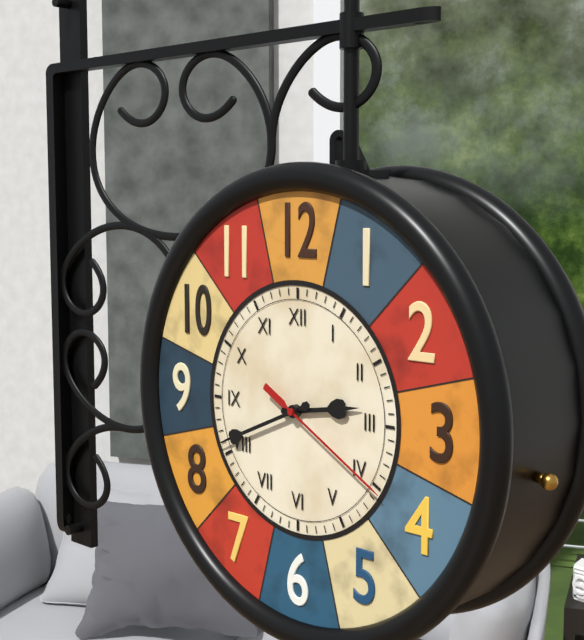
2:41:20
